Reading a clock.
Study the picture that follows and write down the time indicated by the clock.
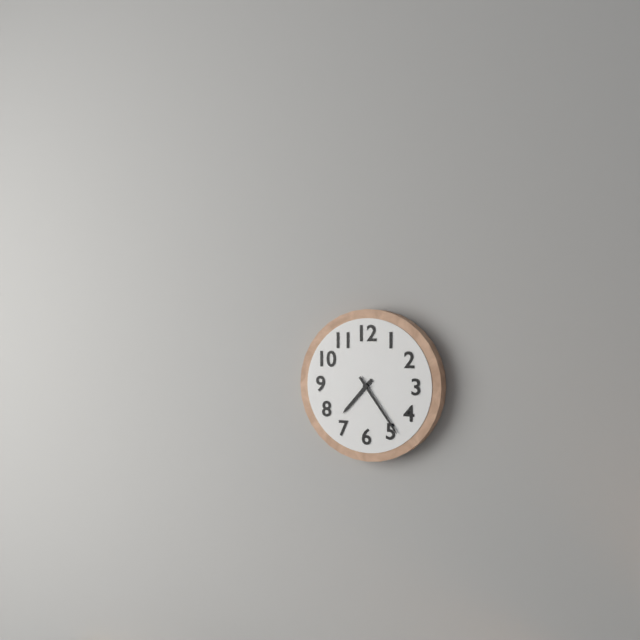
7:24
